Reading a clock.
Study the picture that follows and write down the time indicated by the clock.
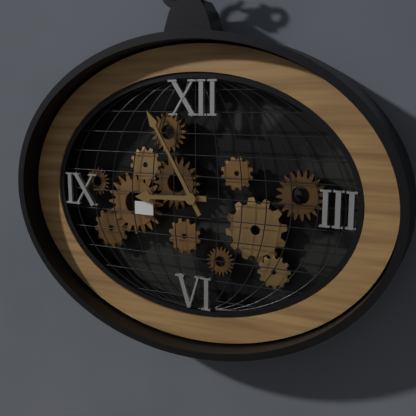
8:55
